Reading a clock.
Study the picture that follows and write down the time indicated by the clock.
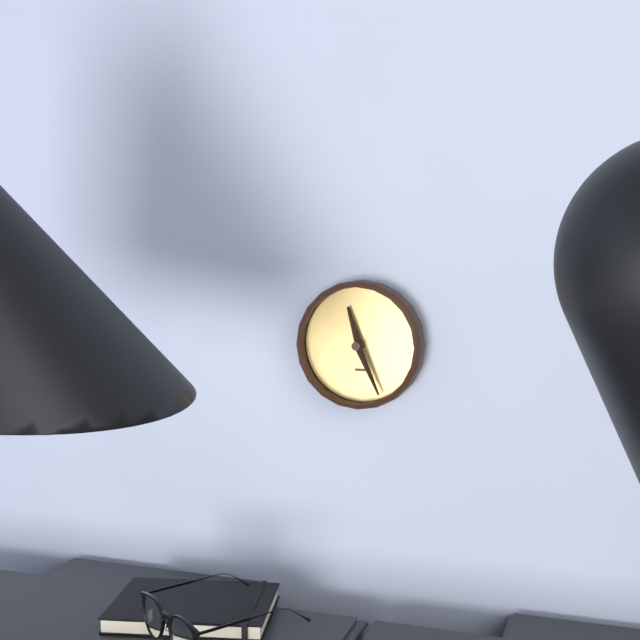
11:26
